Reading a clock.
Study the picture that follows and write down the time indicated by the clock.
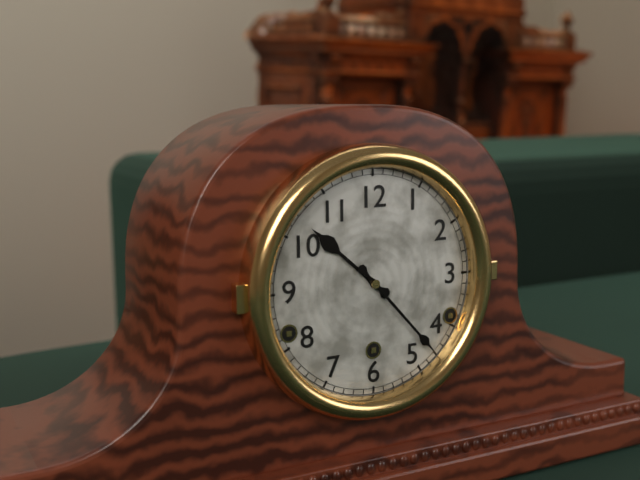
10:23
